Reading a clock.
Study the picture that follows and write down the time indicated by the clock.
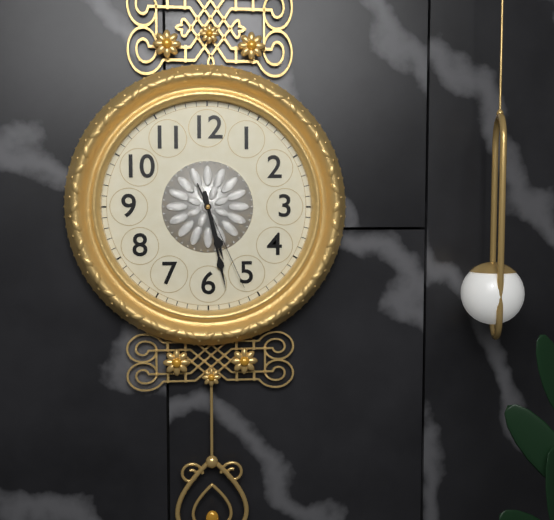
5:28:26
